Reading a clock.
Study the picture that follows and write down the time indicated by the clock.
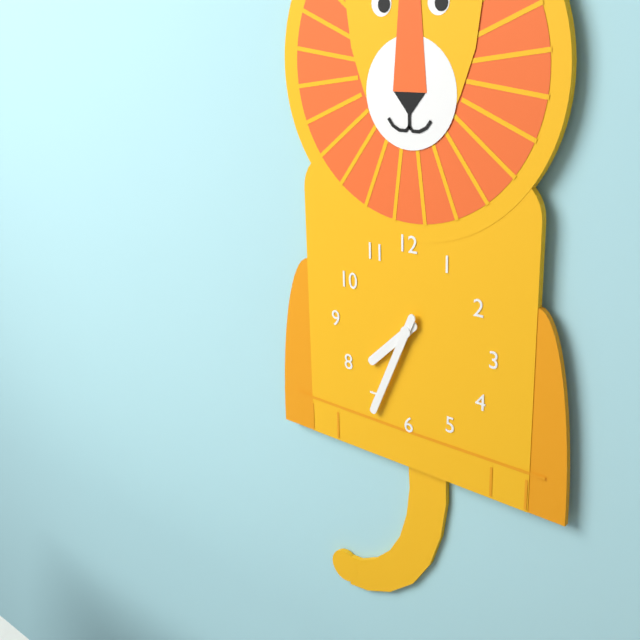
7:34
